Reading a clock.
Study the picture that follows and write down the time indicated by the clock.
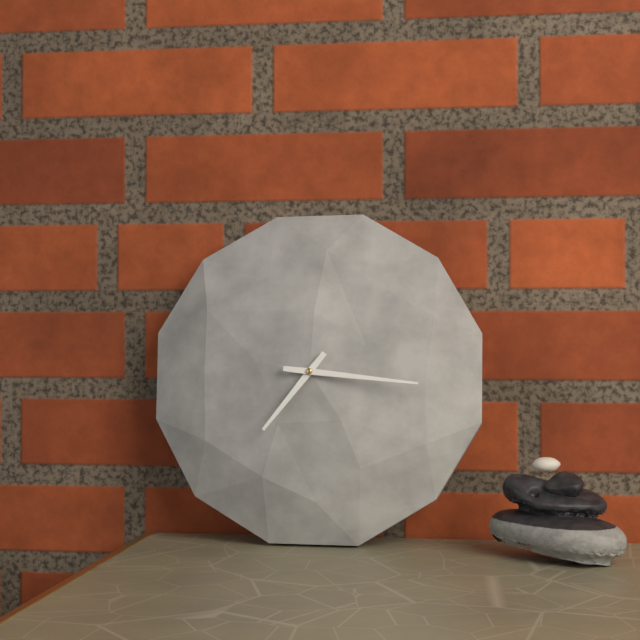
7:16
